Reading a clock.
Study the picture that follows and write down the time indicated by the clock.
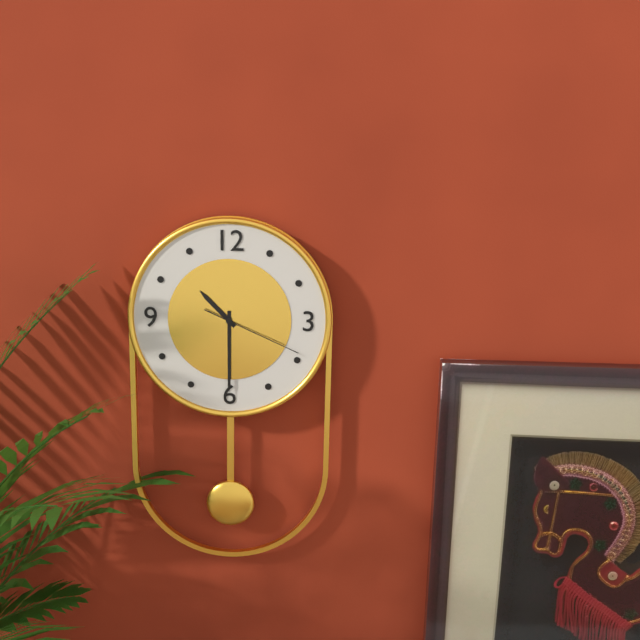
10:30:19
